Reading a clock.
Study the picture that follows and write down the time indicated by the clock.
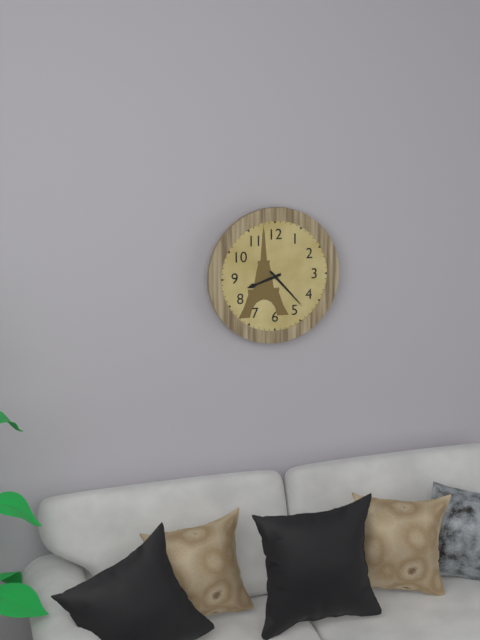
8:23
